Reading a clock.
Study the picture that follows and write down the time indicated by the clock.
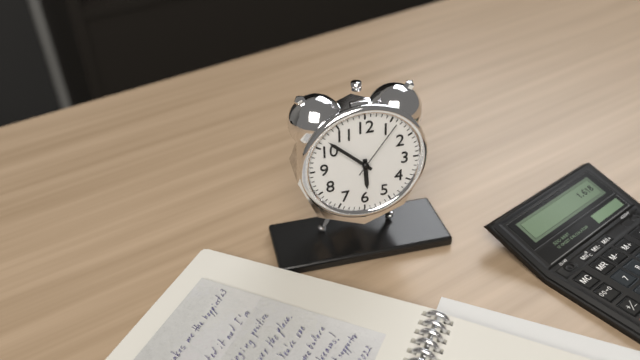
5:52:06
